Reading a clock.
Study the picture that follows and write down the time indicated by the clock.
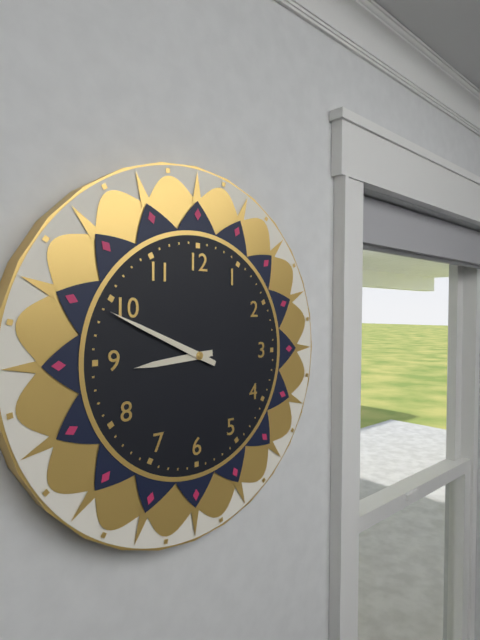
8:49
